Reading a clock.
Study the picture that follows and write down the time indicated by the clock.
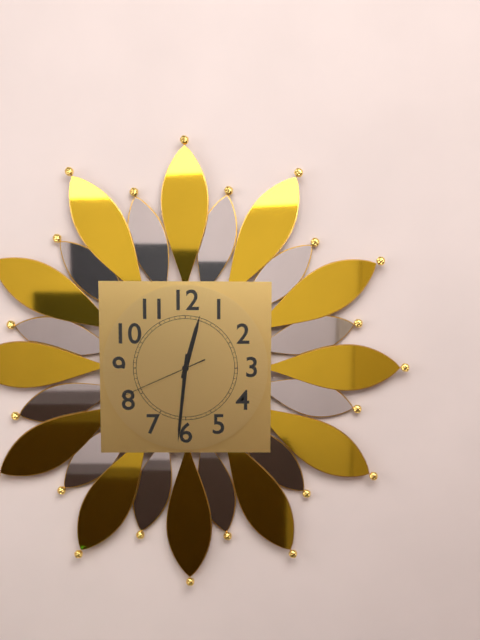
12:31:41
